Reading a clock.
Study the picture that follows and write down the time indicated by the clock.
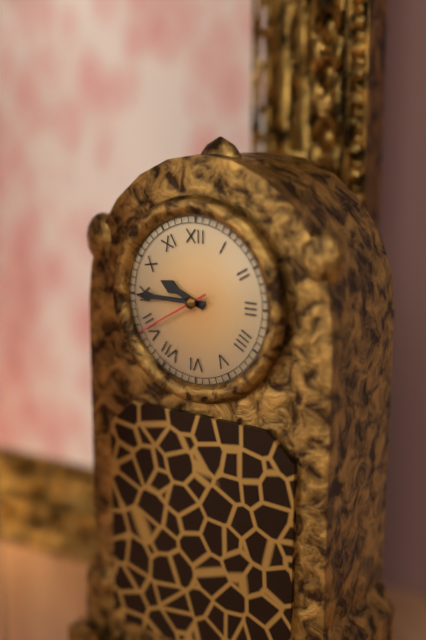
9:45:40
